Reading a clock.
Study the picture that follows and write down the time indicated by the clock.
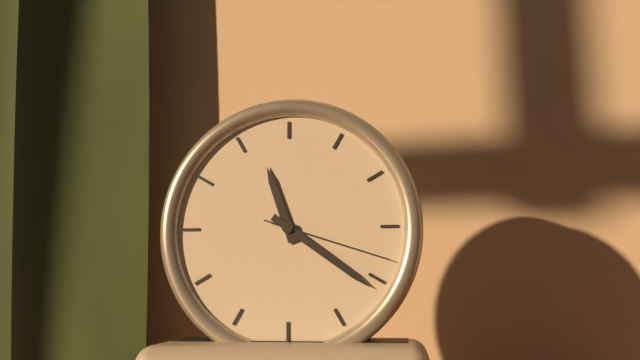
11:21:18
